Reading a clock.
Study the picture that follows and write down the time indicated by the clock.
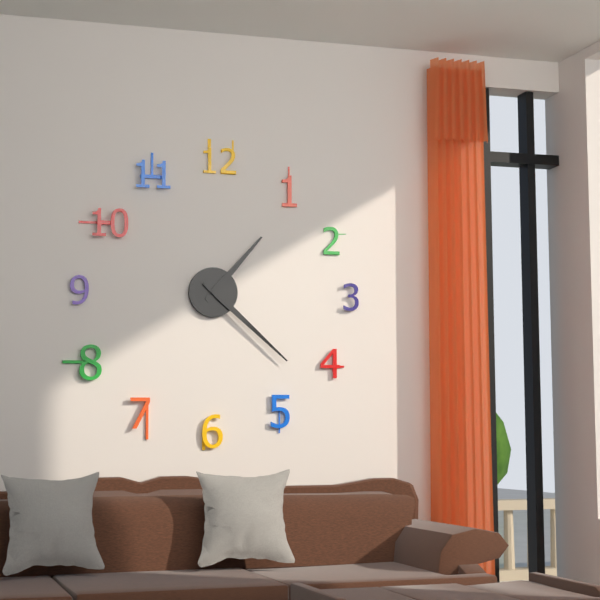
1:22
